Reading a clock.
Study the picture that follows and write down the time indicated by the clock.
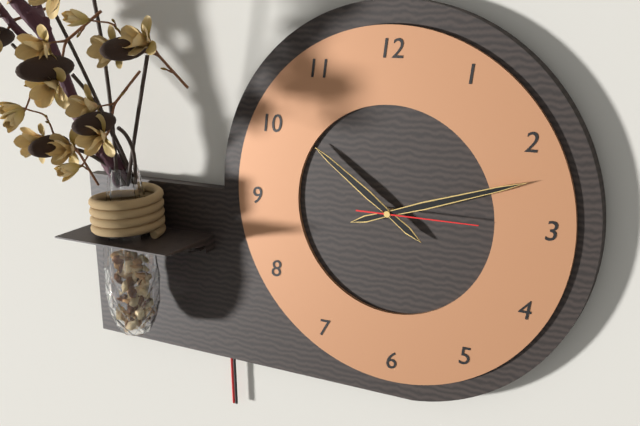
10:12:15
